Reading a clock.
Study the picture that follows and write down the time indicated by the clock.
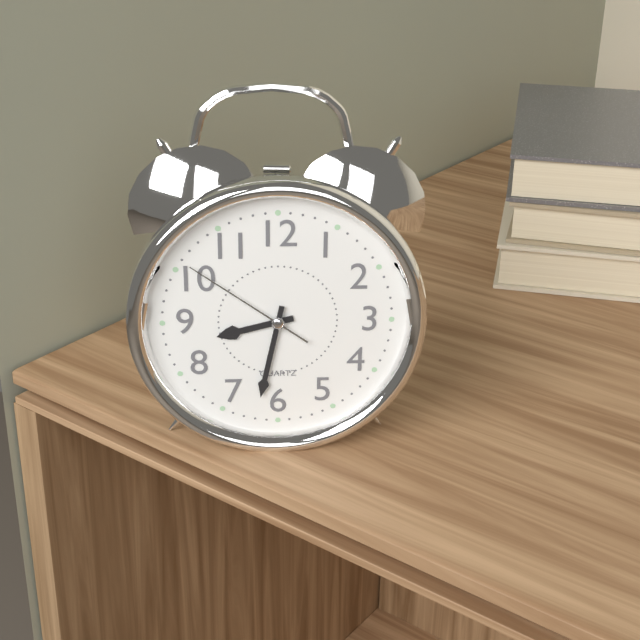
8:32:51
